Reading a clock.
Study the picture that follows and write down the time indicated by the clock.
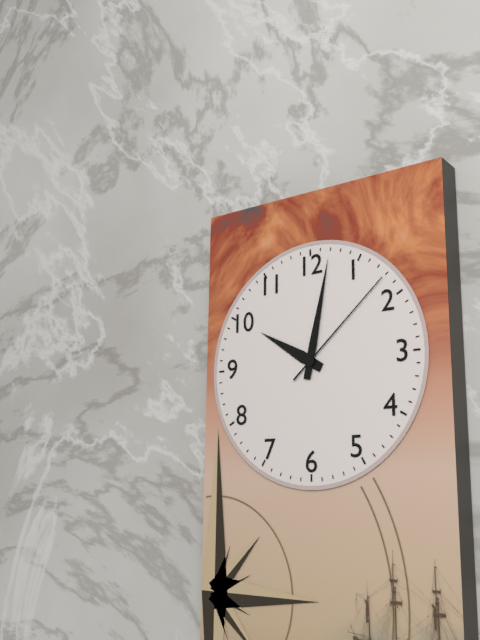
10:02:08
